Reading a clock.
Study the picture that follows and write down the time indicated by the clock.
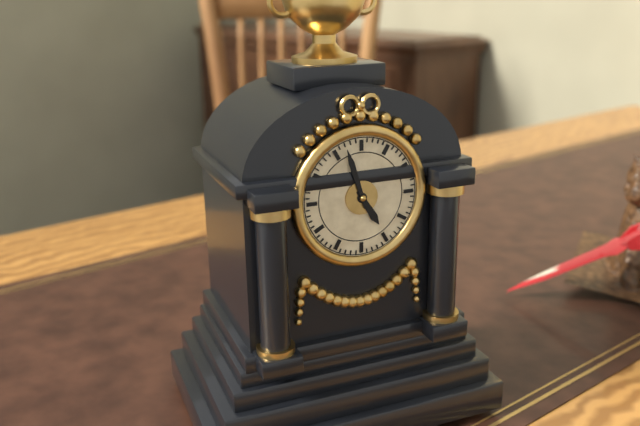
4:57
